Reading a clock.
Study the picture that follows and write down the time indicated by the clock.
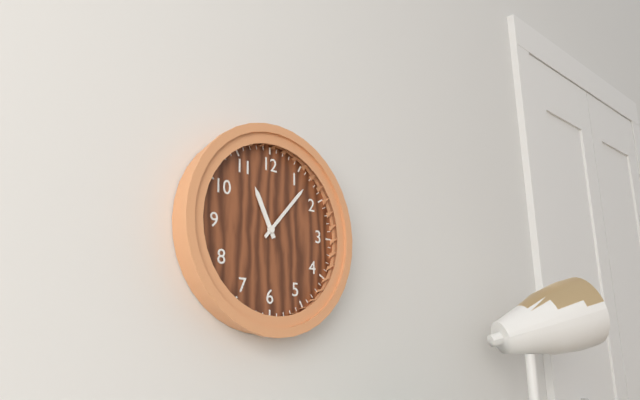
11:07
